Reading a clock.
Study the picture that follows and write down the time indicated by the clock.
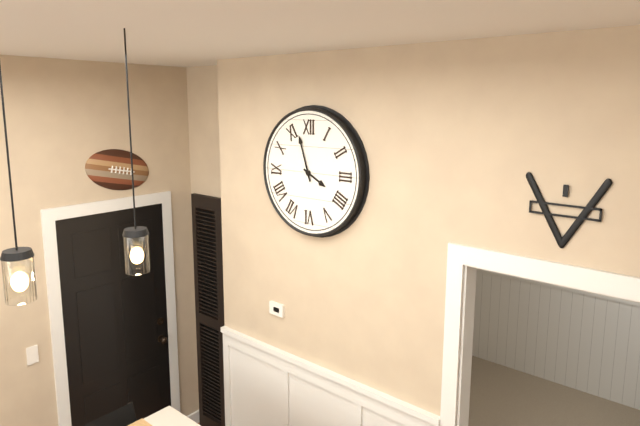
3:57
